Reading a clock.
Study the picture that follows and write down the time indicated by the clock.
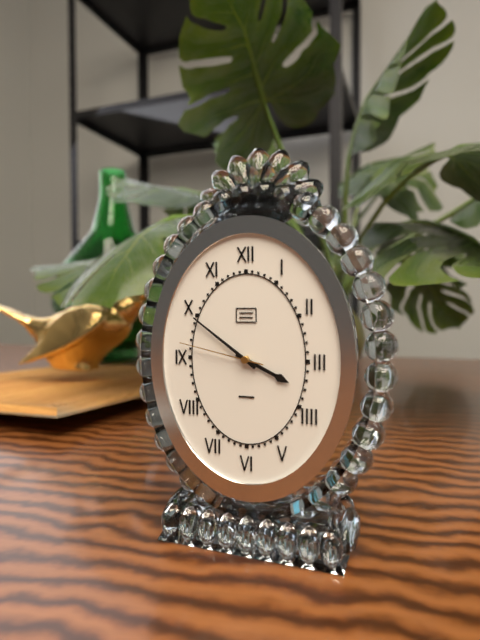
3:51:47
